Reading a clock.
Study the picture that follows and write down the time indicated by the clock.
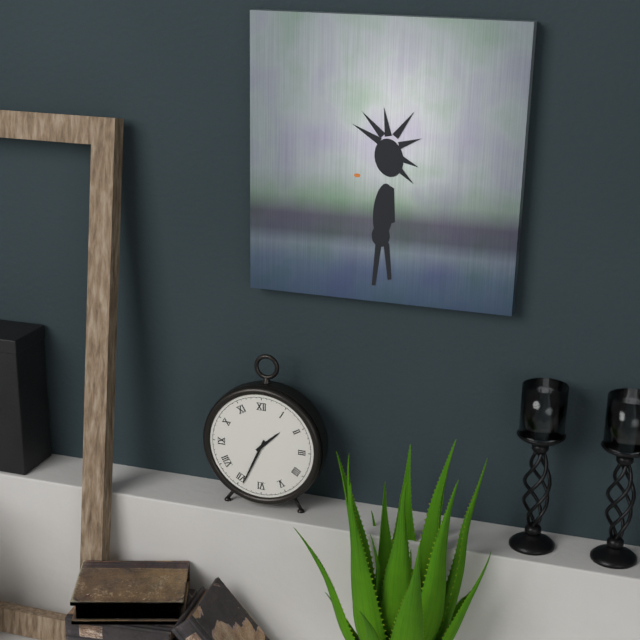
1:34
